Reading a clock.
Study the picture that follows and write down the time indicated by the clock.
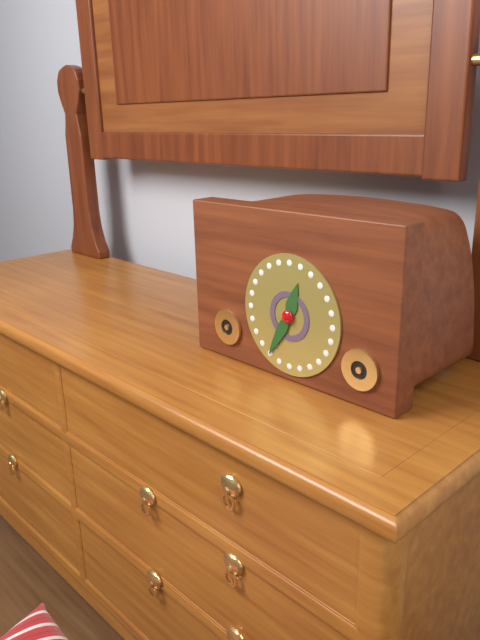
12:35
